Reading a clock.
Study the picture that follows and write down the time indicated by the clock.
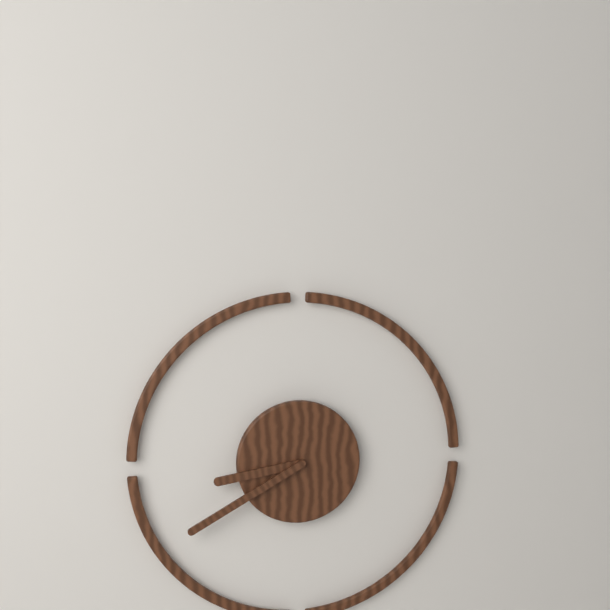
8:40
